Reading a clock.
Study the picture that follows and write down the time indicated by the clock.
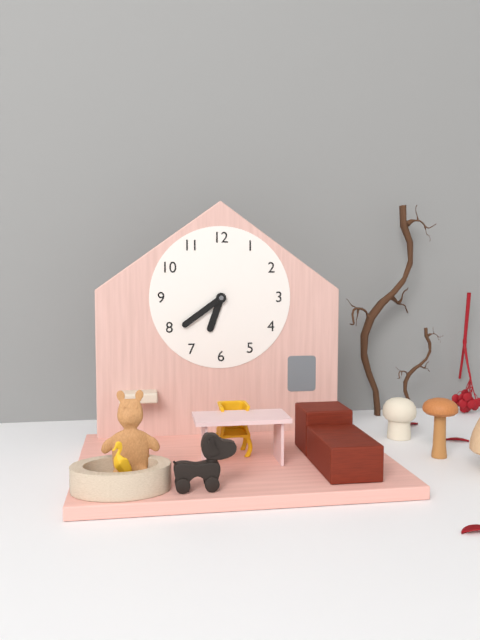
6:39
